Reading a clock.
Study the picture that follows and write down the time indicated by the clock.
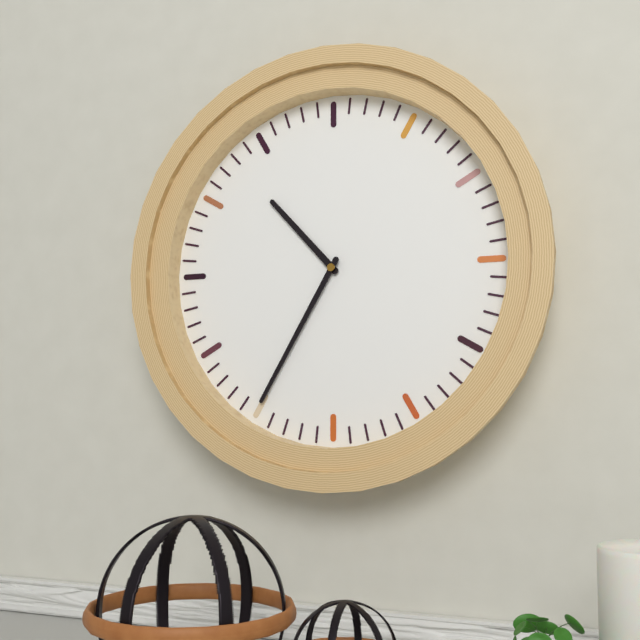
10:35
